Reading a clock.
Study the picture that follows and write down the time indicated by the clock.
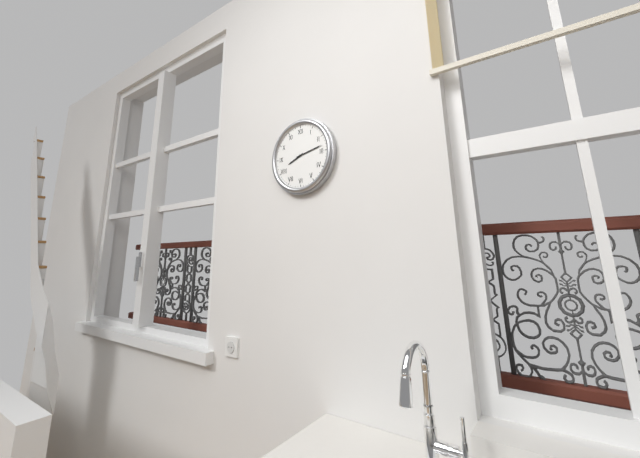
8:13
